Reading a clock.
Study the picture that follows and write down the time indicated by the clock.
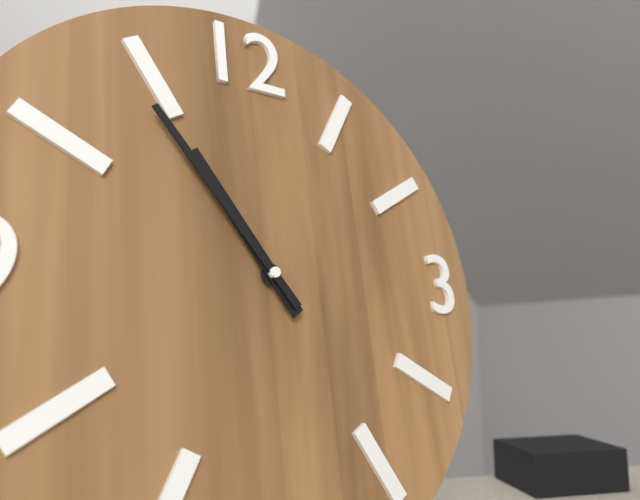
10:54
